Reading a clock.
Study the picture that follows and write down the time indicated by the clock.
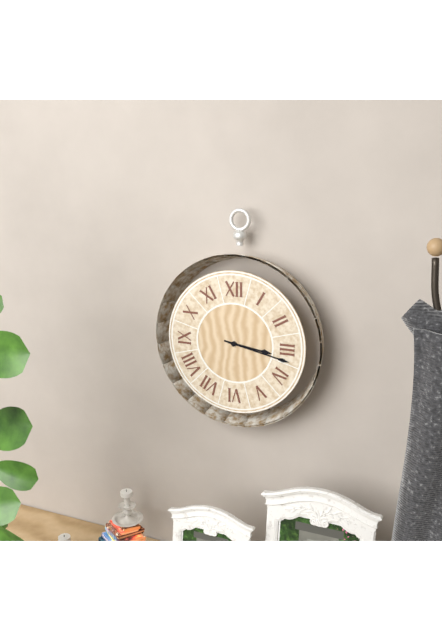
3:17
